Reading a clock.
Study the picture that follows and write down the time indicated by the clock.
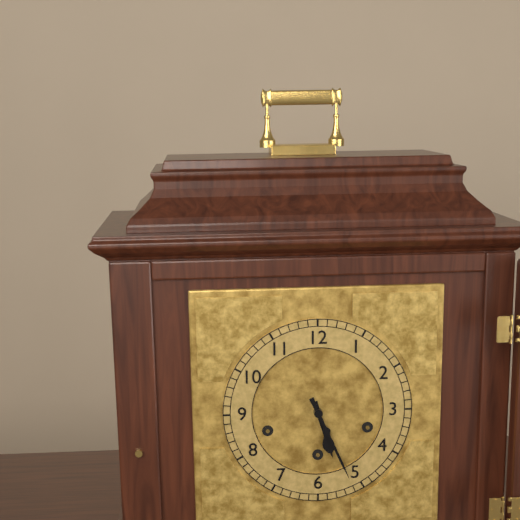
5:26
